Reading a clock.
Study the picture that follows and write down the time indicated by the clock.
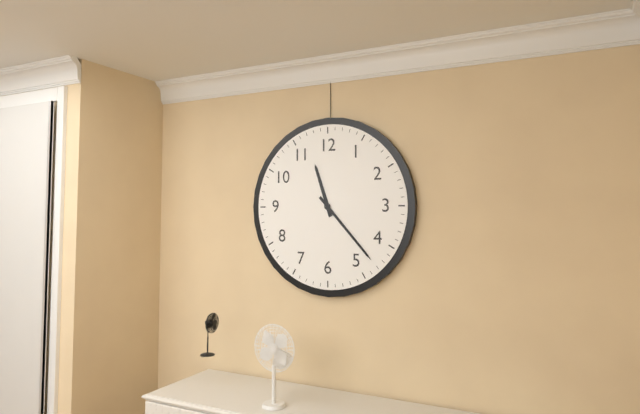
11:23
